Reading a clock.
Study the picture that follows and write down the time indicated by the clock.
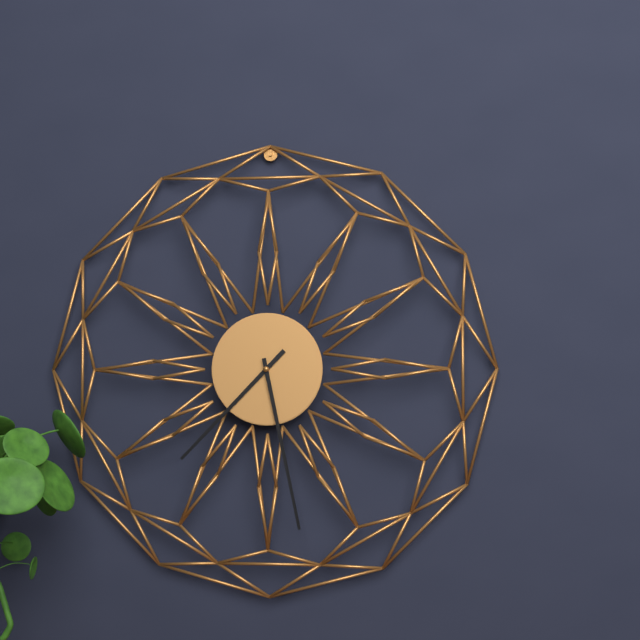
7:28
